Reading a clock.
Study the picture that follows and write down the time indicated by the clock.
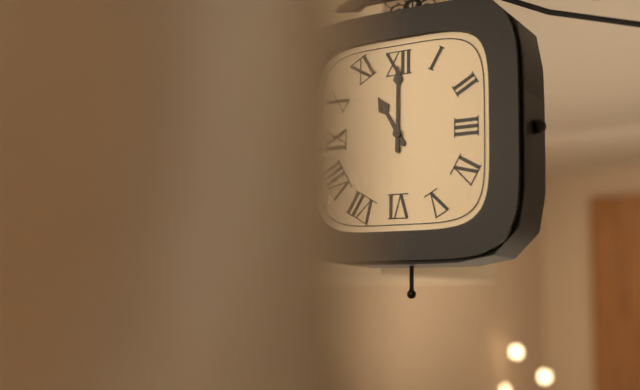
11:00
